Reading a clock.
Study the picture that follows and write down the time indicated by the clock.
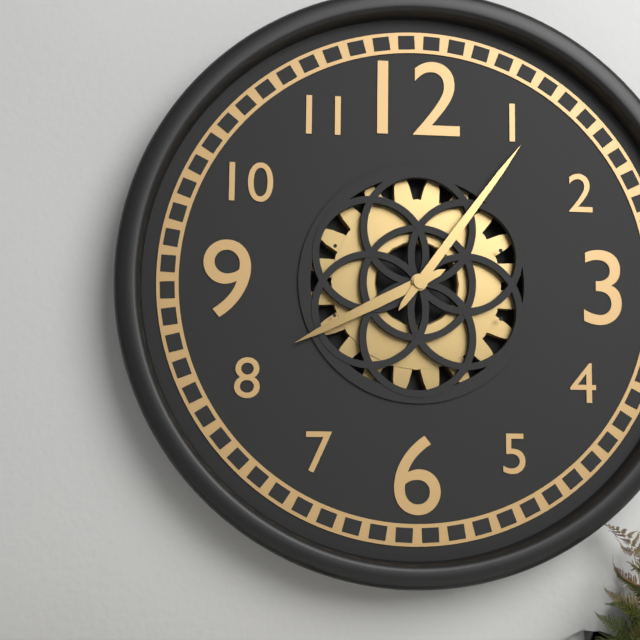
8:06
